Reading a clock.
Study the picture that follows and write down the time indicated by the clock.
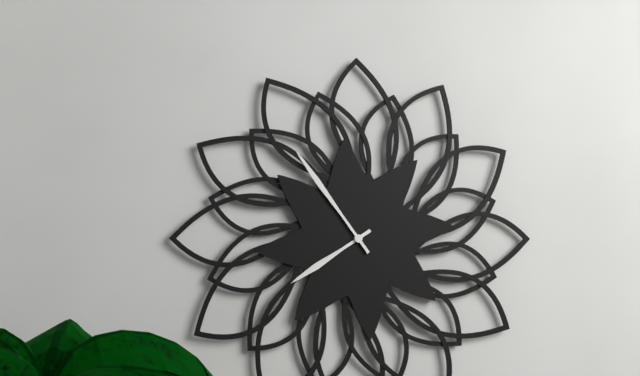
7:54
